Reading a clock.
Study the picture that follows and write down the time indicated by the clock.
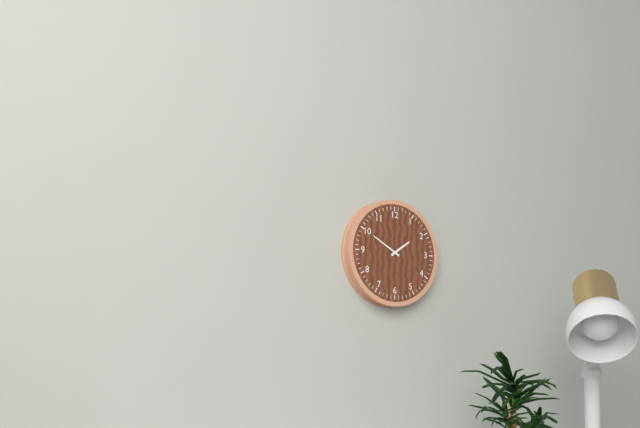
1:50
